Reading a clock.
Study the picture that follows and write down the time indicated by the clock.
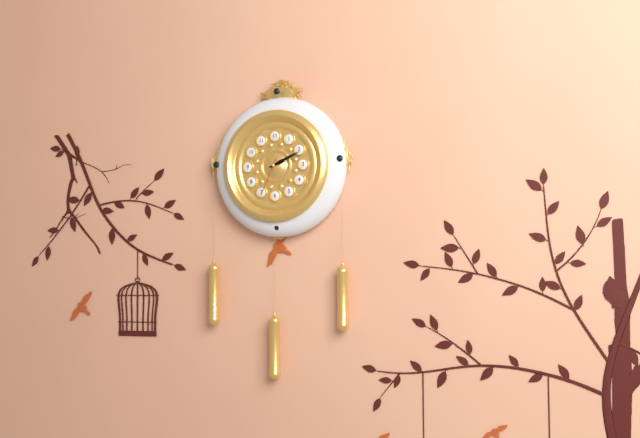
2:11
